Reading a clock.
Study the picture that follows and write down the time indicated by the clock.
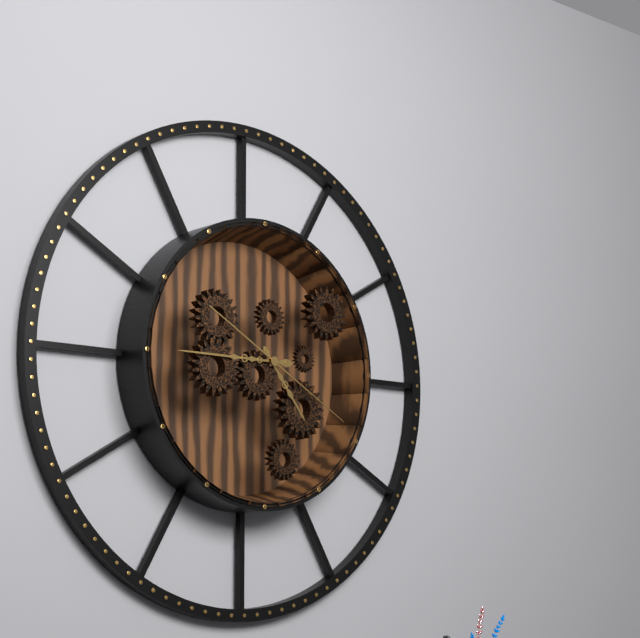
4:45:20
